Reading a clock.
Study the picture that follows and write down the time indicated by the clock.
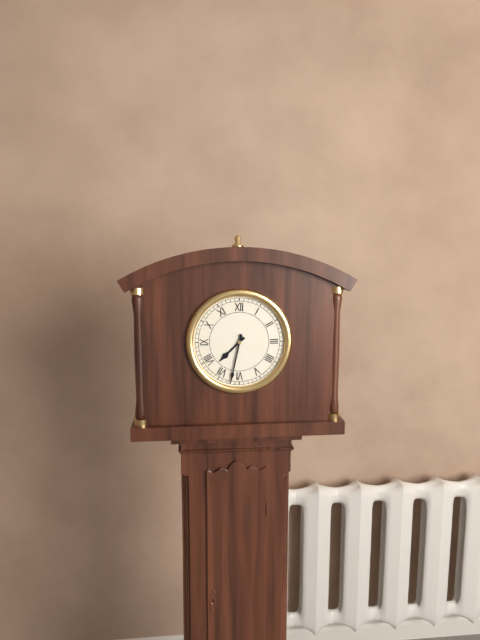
7:32
